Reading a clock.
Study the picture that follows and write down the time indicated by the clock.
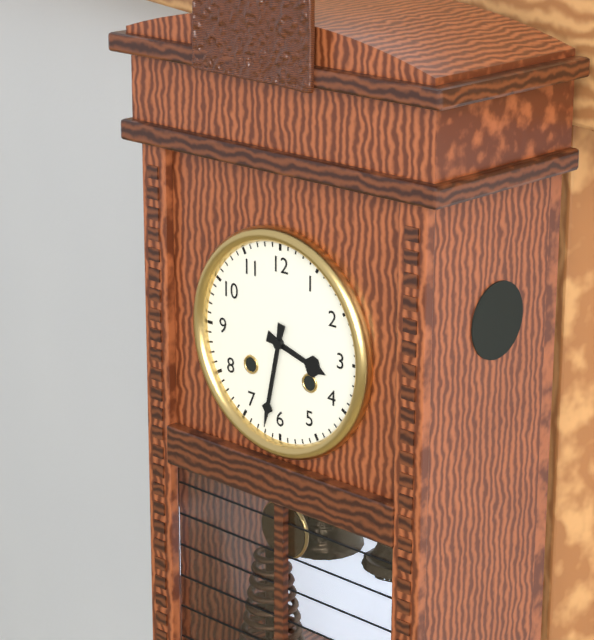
3:32
